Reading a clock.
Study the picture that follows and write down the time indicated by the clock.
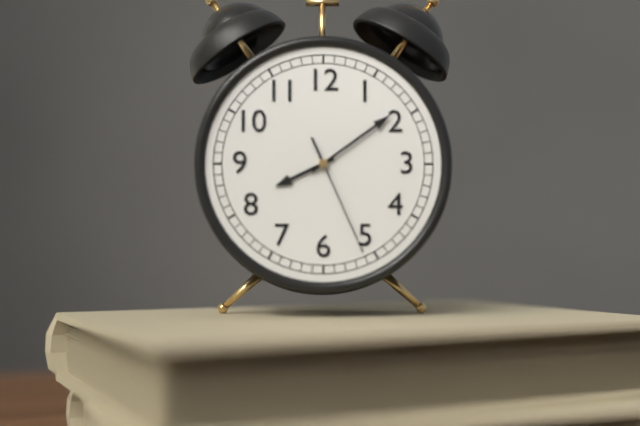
8:09:26
